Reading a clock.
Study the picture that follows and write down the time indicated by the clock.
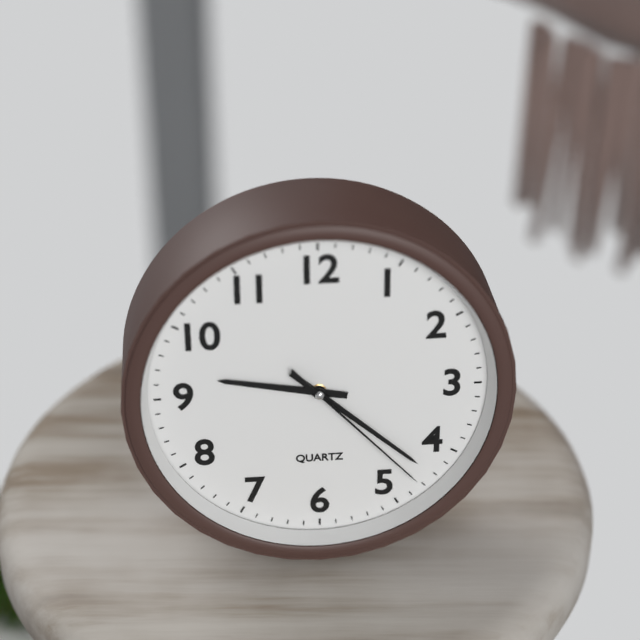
9:22:23
